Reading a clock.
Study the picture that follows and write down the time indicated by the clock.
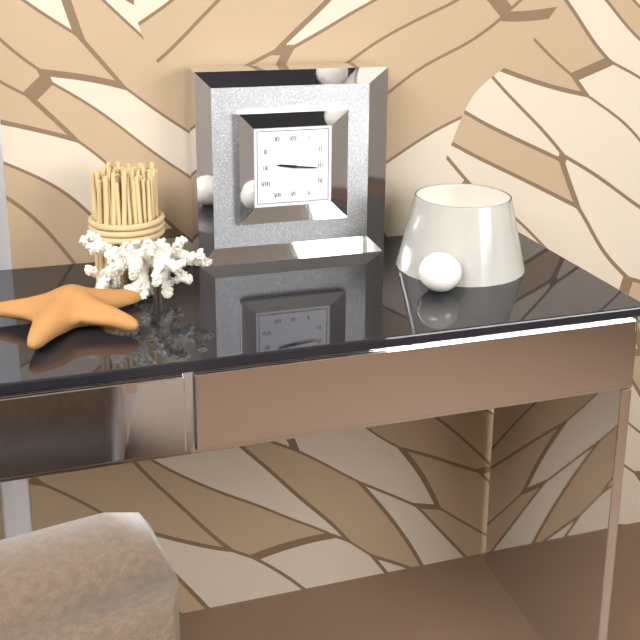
9:16
